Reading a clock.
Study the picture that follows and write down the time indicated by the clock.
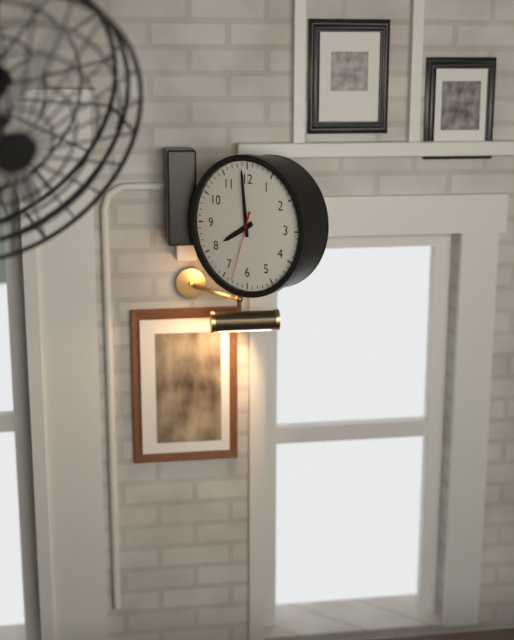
7:59:33
